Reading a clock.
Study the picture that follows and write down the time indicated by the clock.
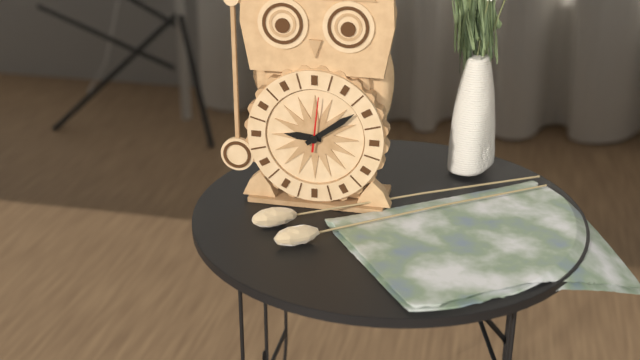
9:09:01
